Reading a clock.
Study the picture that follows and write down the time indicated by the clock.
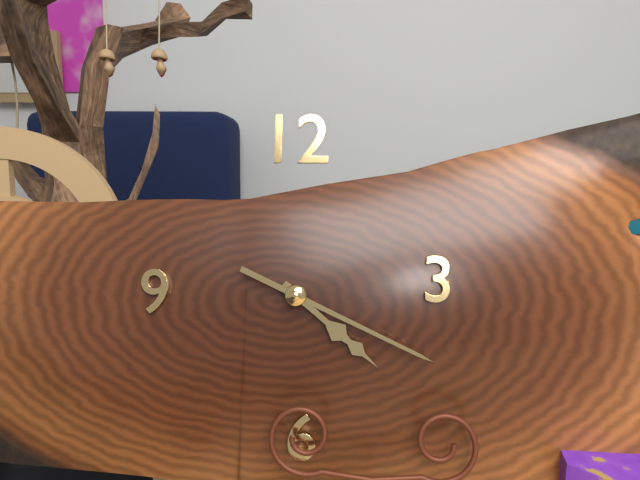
4:19
